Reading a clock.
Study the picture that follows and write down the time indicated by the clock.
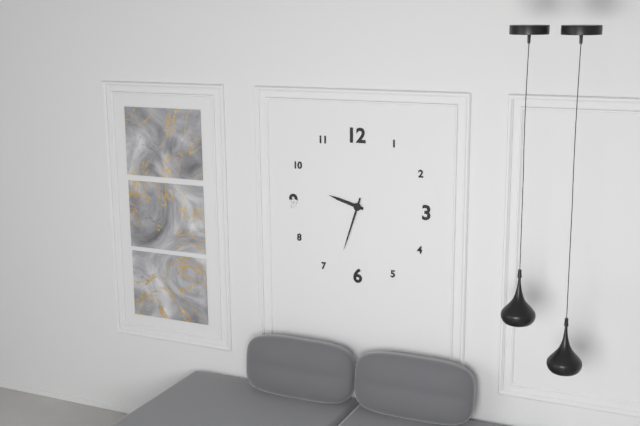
9:33
